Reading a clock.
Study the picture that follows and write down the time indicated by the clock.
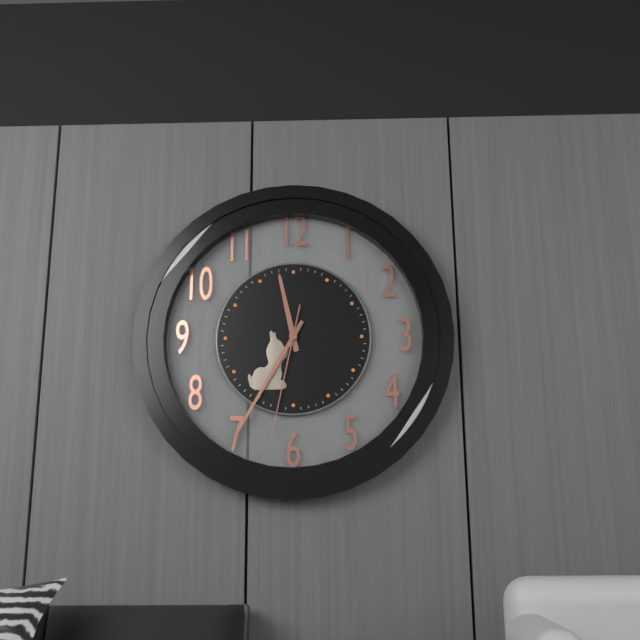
11:35:32
